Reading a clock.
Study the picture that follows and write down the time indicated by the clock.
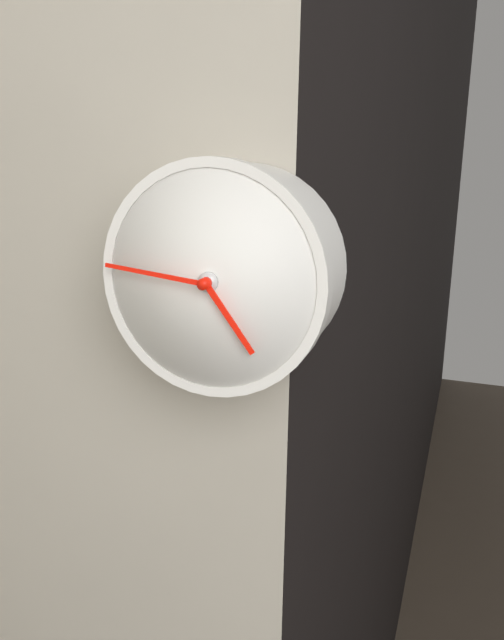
4:46
